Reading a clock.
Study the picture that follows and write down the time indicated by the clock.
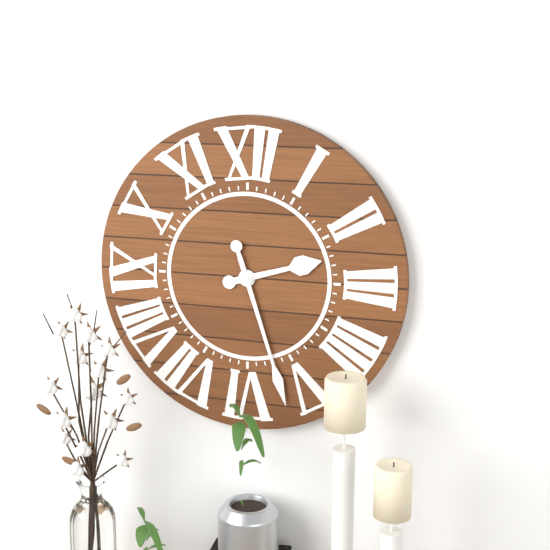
2:27
